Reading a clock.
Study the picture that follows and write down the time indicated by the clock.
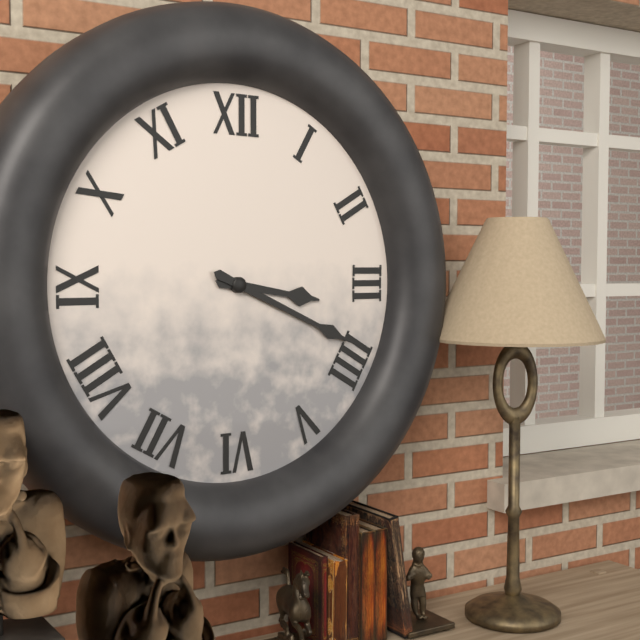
3:19
